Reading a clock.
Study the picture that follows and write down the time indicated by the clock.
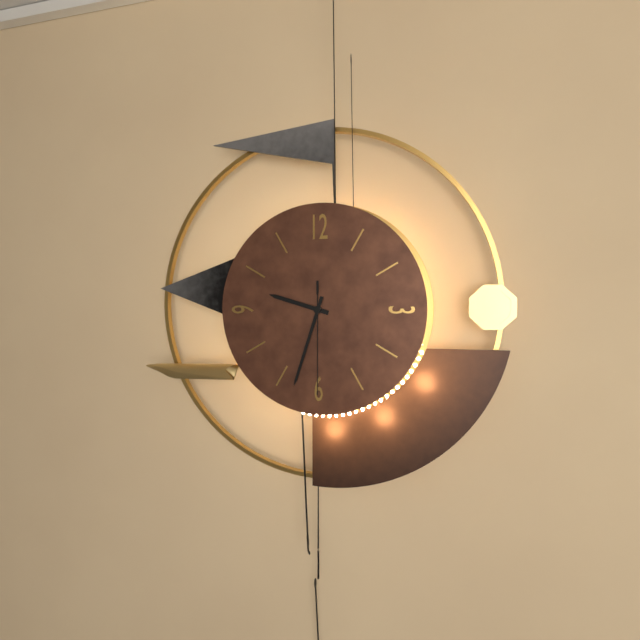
9:33:30
